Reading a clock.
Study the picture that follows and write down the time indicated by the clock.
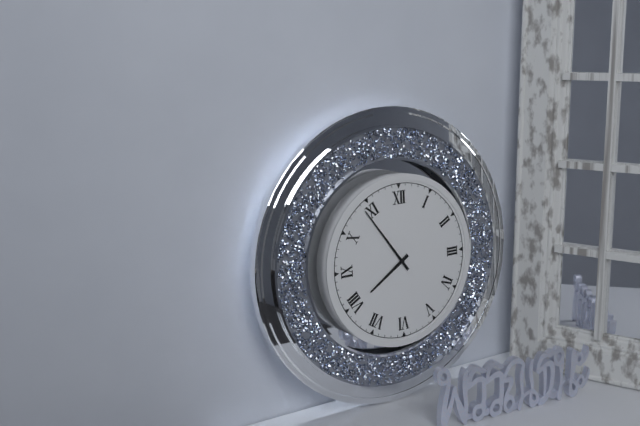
7:54
